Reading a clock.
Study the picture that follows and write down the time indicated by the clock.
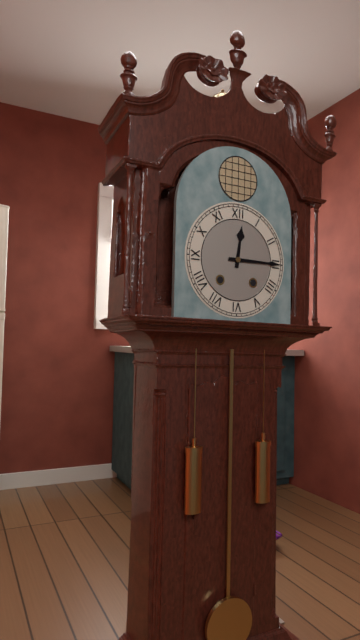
12:15
